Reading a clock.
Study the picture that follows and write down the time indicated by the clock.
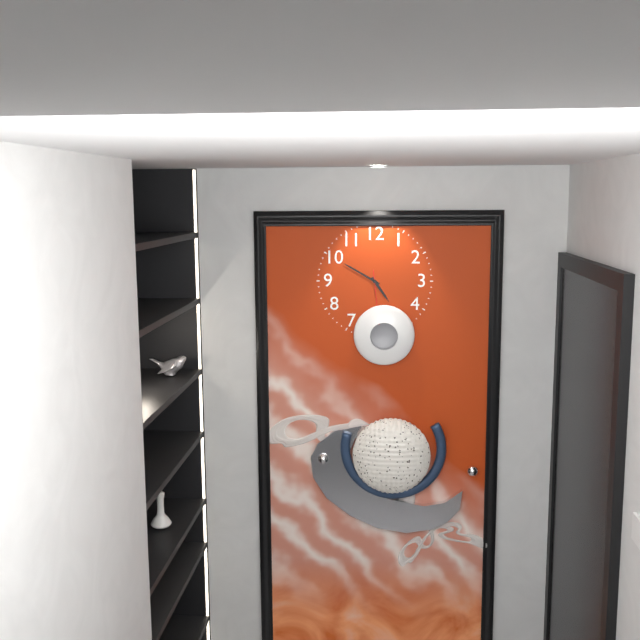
4:50:29
